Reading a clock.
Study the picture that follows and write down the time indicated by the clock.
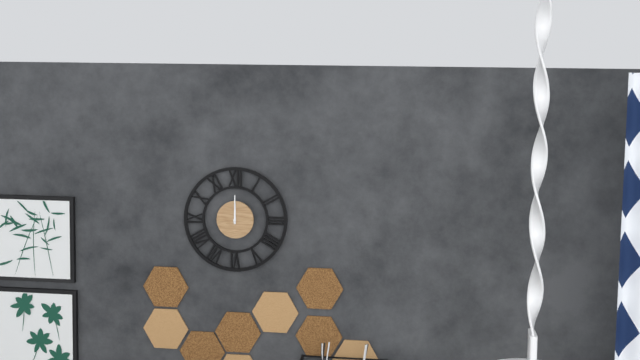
12:00
